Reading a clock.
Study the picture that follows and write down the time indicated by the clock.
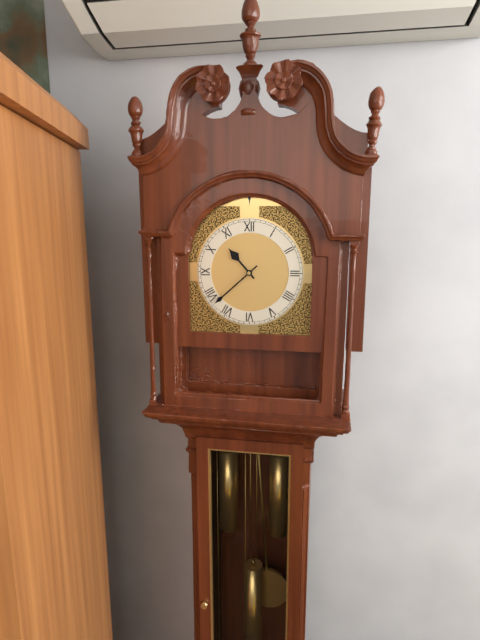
10:38
